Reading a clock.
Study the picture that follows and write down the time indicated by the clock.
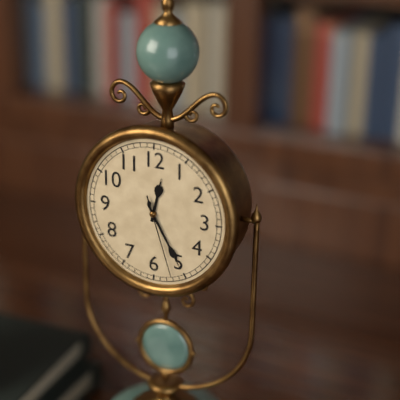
12:25:27
